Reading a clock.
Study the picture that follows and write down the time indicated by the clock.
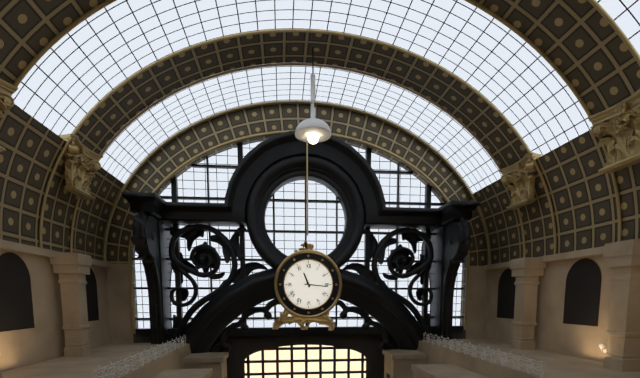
11:16
